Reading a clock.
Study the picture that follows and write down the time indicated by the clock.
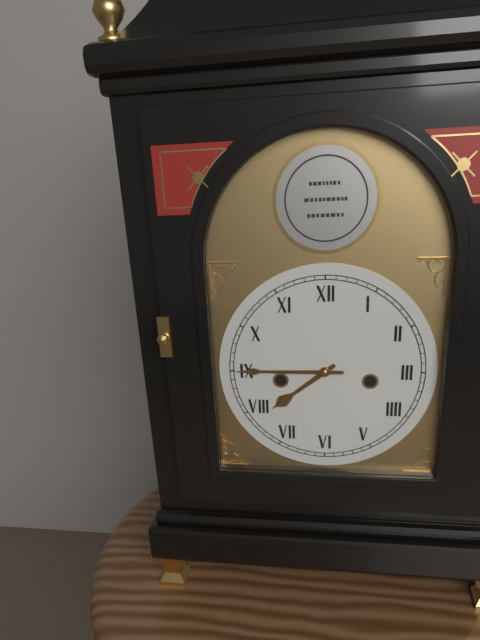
7:45
